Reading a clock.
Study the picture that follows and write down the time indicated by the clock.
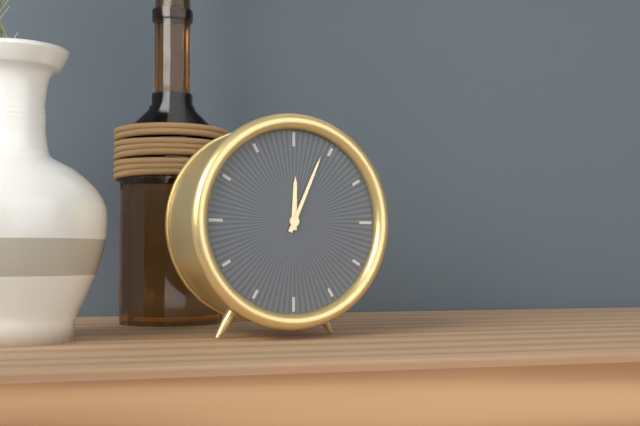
12:04
